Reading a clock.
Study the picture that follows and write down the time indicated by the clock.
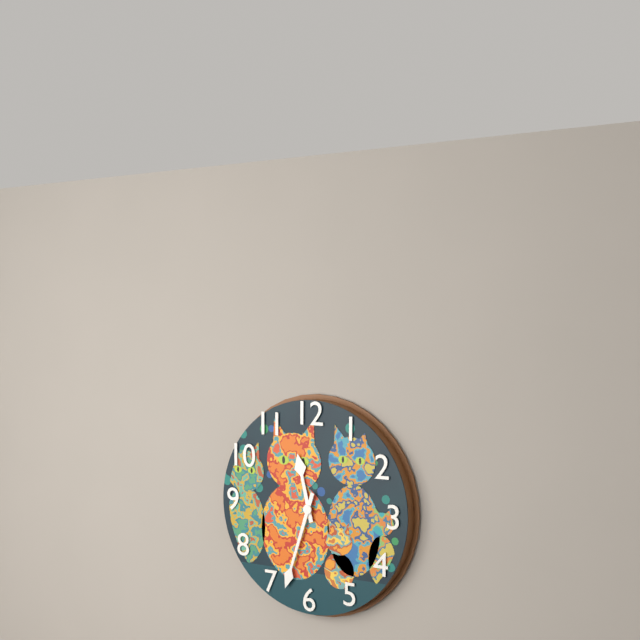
11:33
